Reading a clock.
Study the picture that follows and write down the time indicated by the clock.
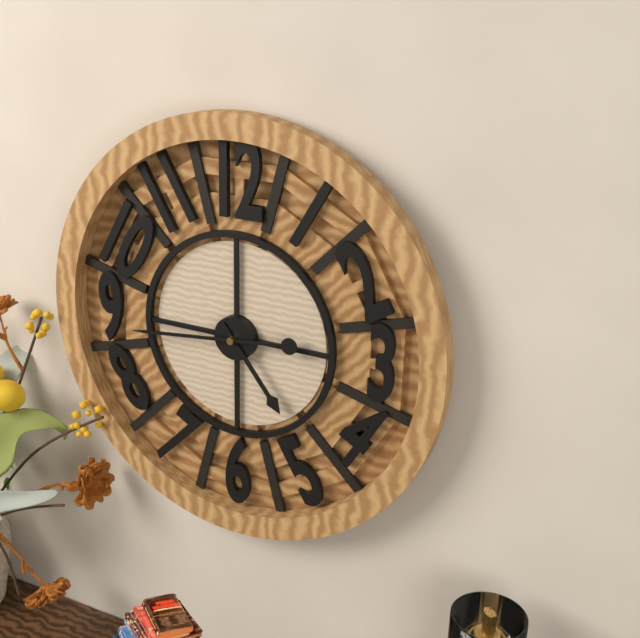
4:44
